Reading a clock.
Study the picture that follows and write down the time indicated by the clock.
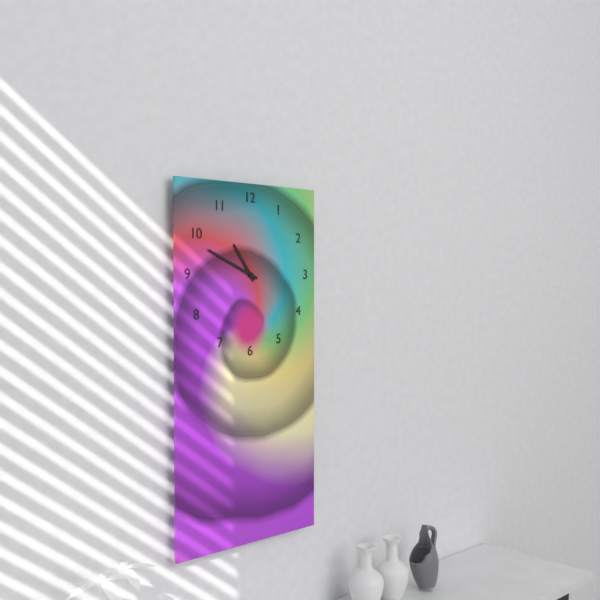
10:49
